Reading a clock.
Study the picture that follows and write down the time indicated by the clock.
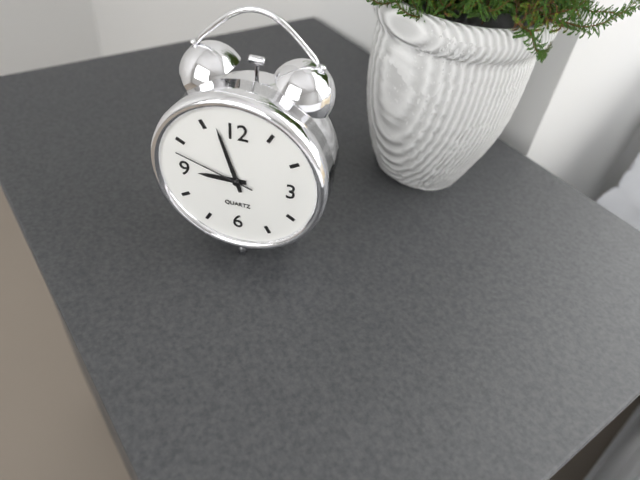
8:57:48
